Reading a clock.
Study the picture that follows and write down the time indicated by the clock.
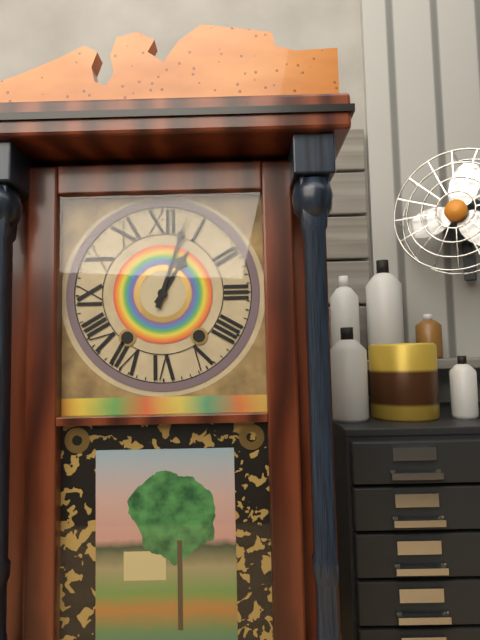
1:03
